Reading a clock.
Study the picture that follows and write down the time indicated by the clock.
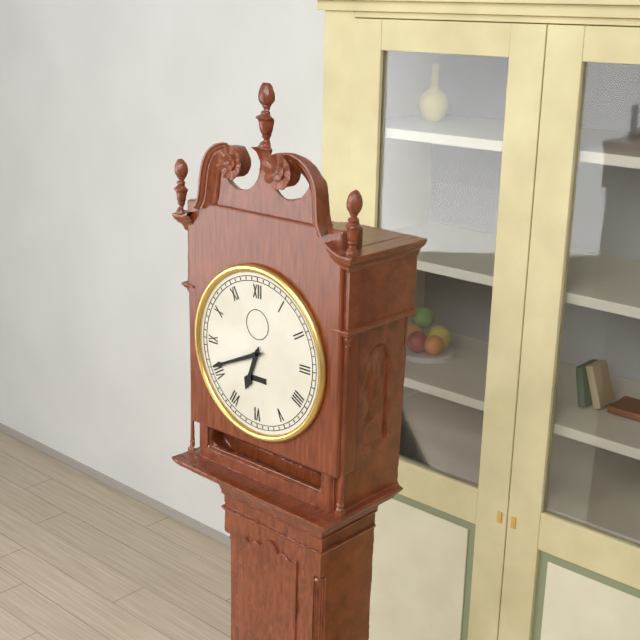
6:41
